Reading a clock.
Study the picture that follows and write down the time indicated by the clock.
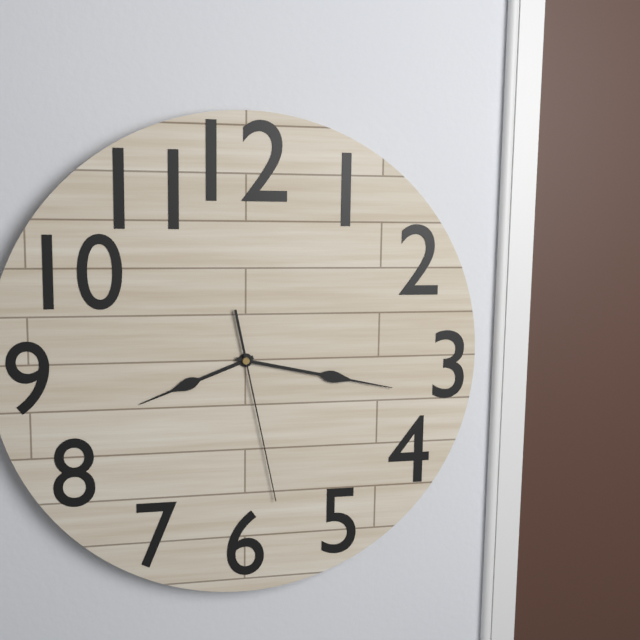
8:17:28
